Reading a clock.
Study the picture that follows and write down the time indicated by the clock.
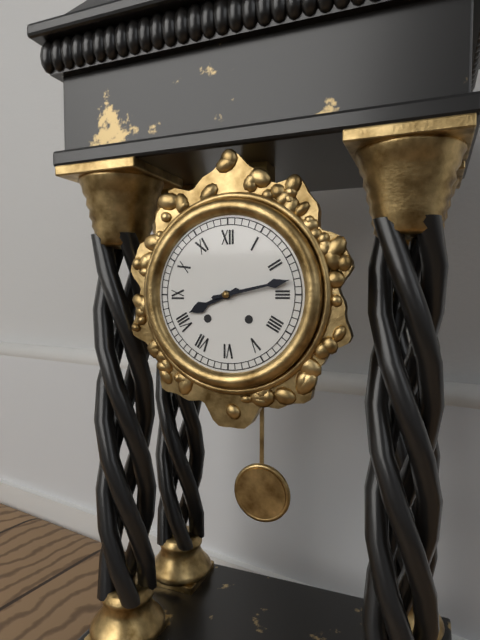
8:13
